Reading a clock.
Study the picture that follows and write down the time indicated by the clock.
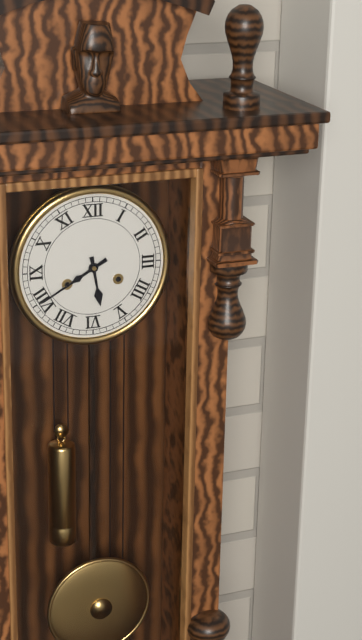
5:40
